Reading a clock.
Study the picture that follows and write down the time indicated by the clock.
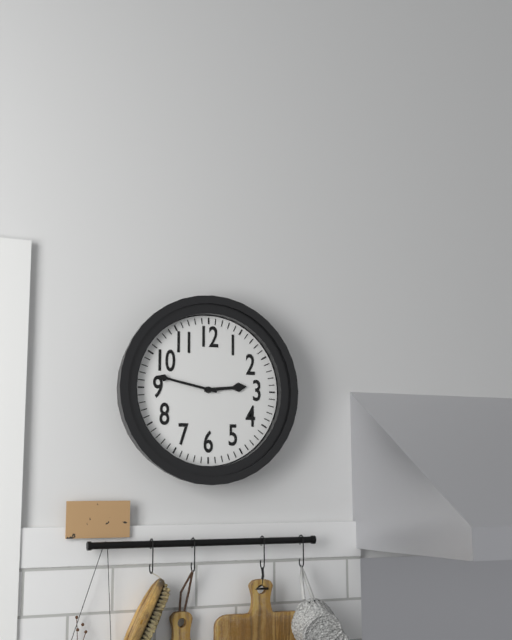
2:47
